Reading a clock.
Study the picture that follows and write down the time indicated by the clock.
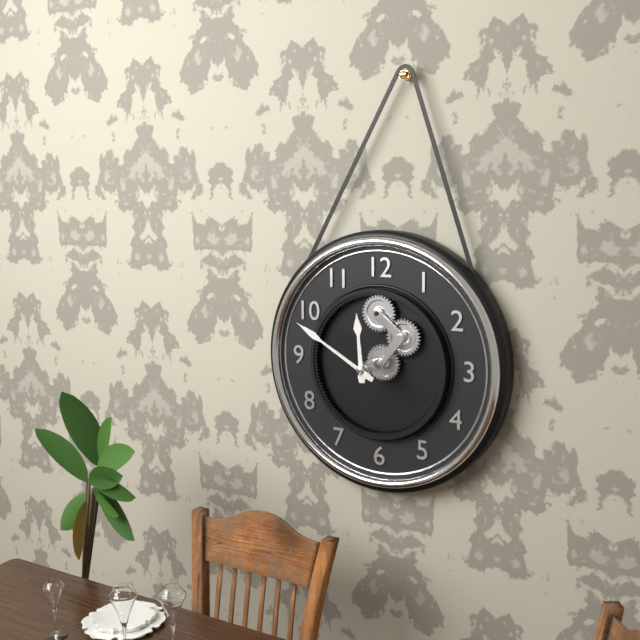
11:50
